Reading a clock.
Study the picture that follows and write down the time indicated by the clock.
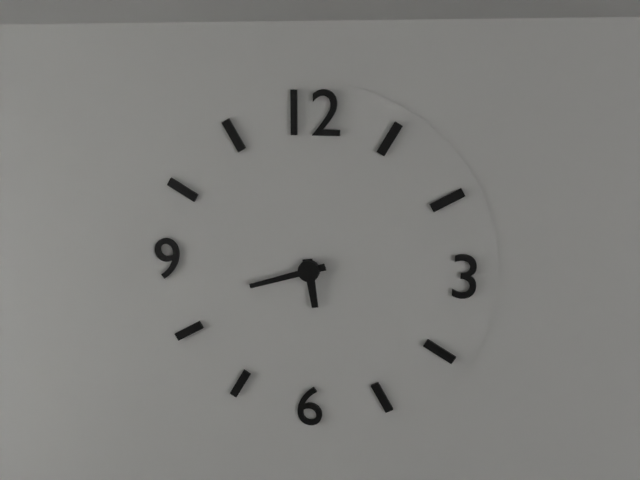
5:42
